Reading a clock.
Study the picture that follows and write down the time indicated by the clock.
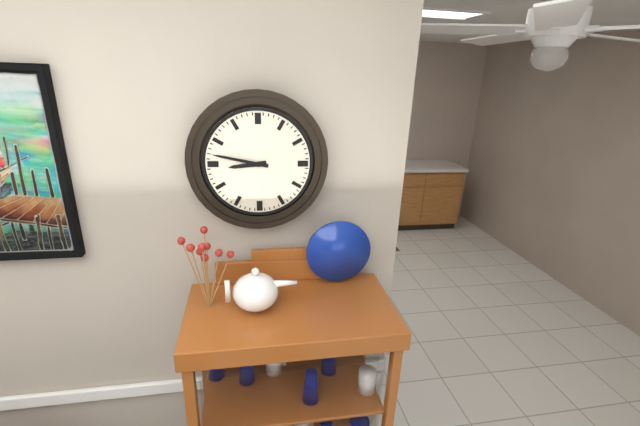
8:47
